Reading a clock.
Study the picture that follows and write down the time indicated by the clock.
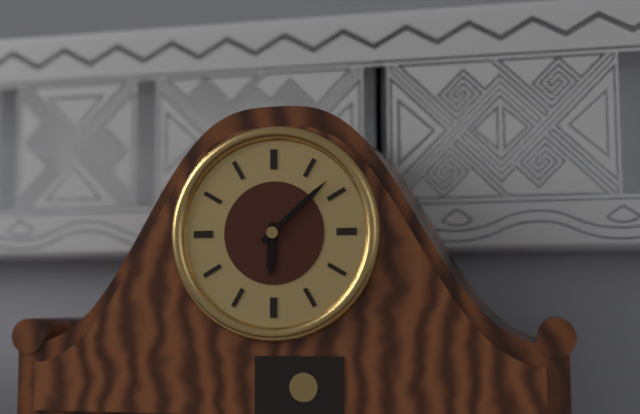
6:08
